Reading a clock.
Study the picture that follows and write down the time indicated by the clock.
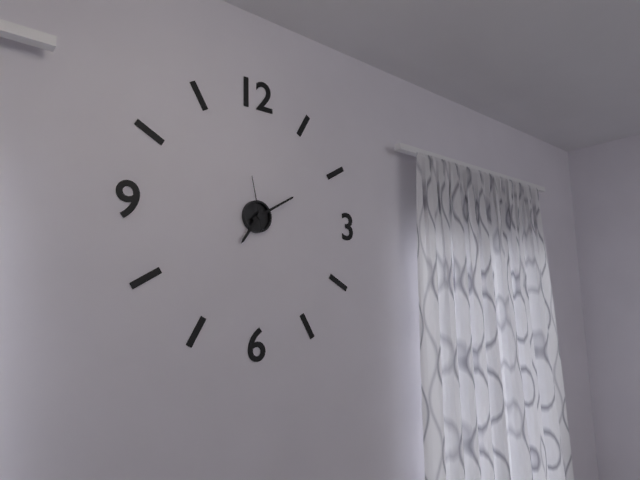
7:10:58
